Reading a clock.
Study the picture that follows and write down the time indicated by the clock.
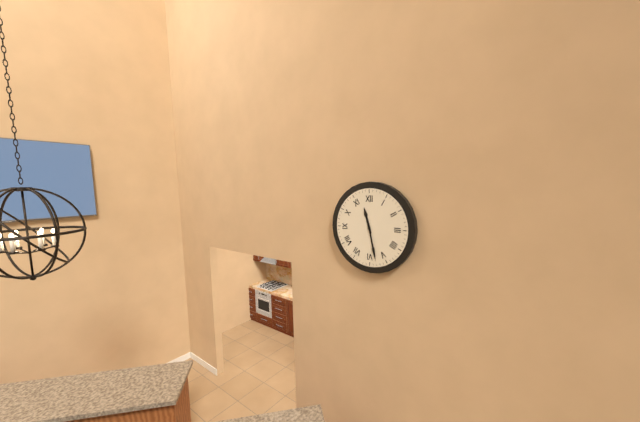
11:28
